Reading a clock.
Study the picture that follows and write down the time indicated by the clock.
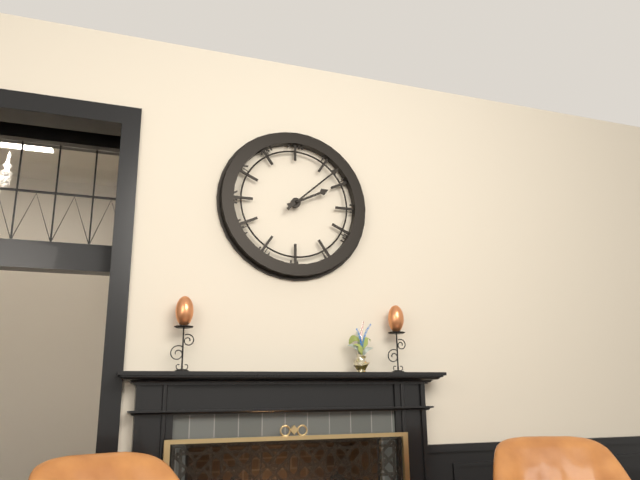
2:08
